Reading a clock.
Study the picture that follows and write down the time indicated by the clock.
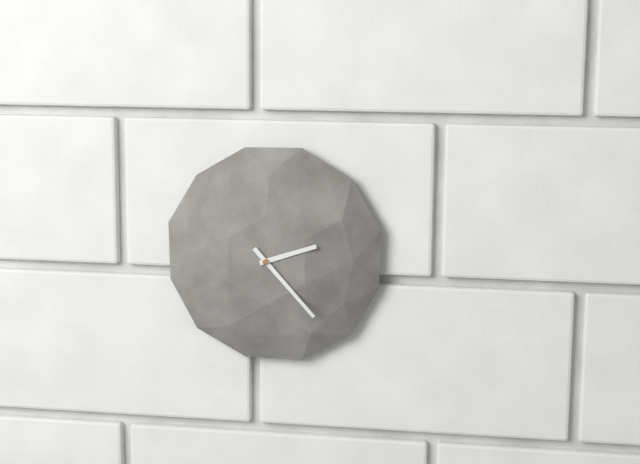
2:23
